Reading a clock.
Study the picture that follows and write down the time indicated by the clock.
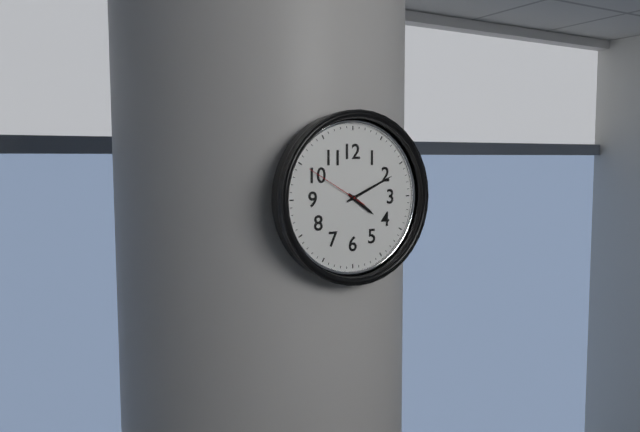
4:11:50
